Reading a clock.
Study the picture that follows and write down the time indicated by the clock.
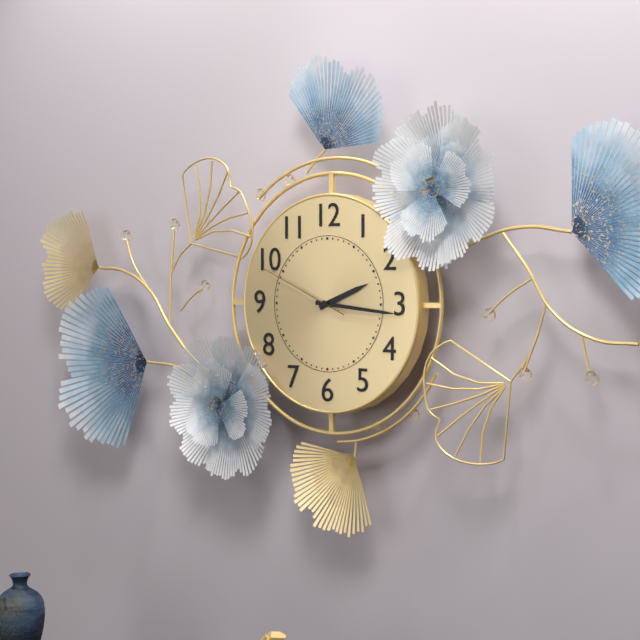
2:16:49
